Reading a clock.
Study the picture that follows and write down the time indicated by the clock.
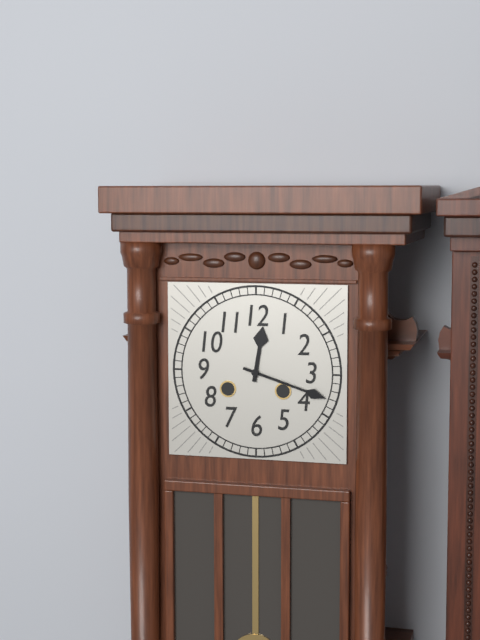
12:18
